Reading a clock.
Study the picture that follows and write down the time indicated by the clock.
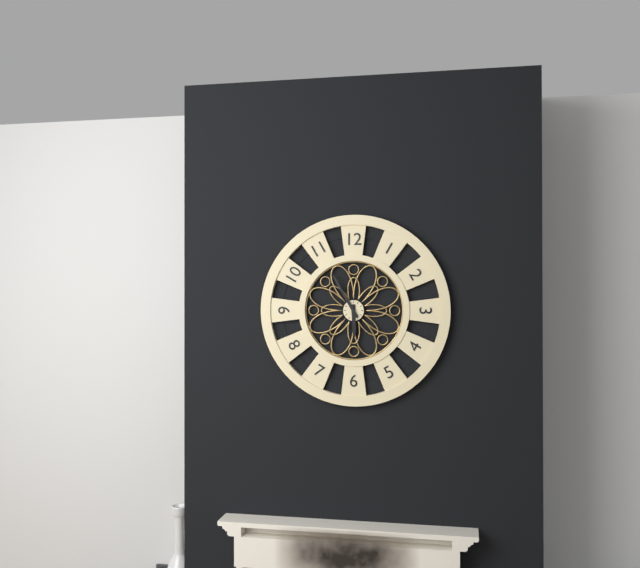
5:55
